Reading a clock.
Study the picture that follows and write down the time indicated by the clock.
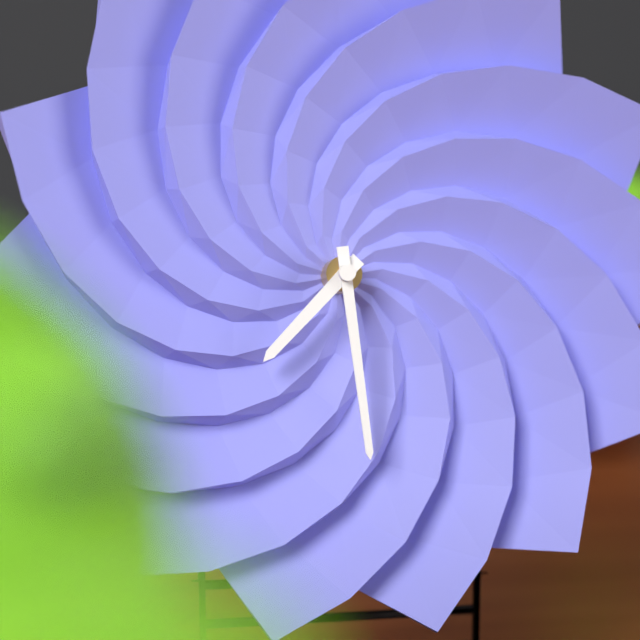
7:29
